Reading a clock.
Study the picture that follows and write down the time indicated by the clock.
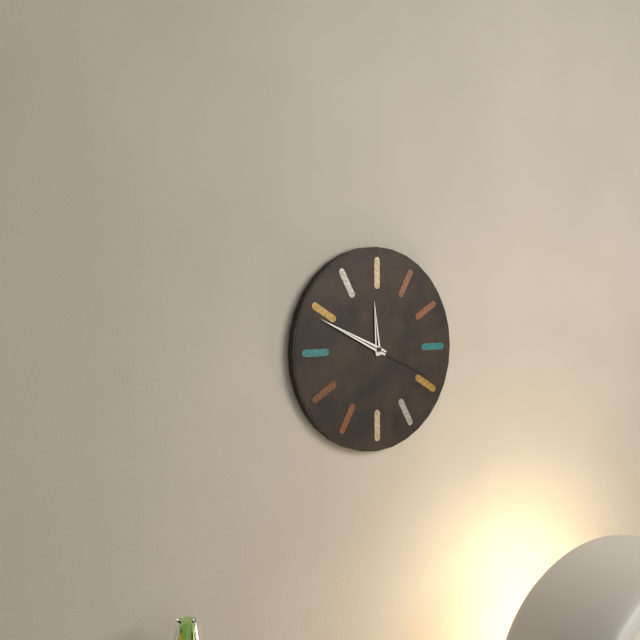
11:49:19
